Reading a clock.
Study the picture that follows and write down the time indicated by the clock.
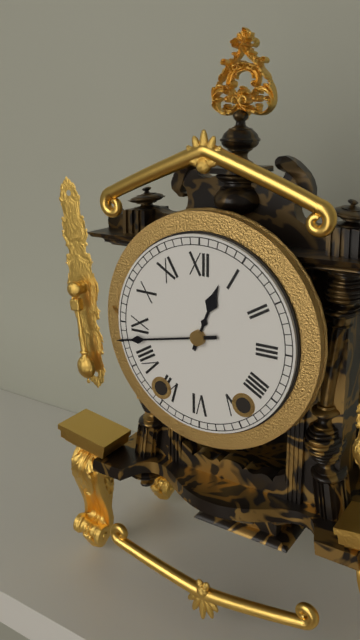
12:43
